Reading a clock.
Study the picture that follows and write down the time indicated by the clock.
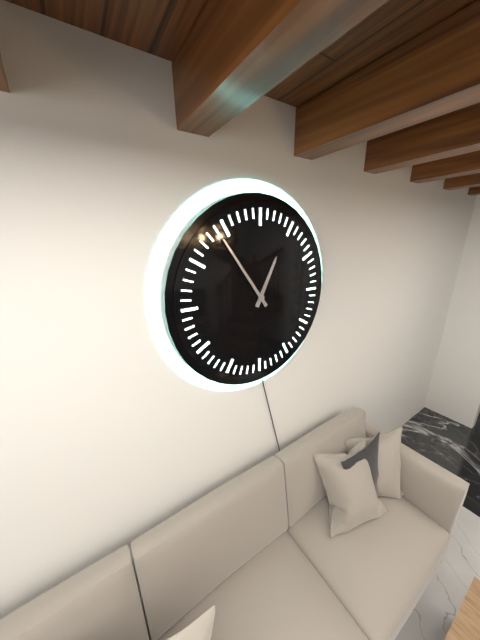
12:54
